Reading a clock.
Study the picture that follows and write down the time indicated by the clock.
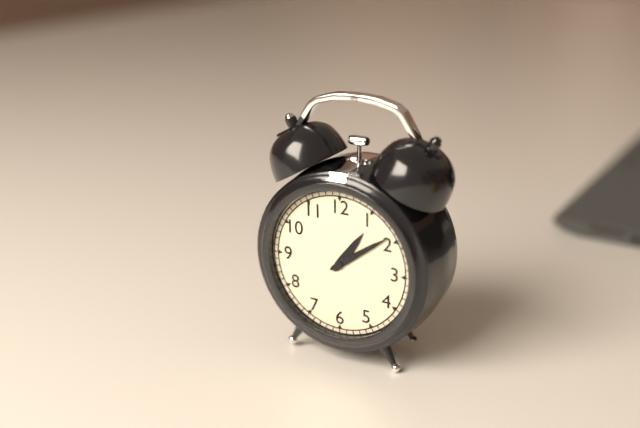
1:09
